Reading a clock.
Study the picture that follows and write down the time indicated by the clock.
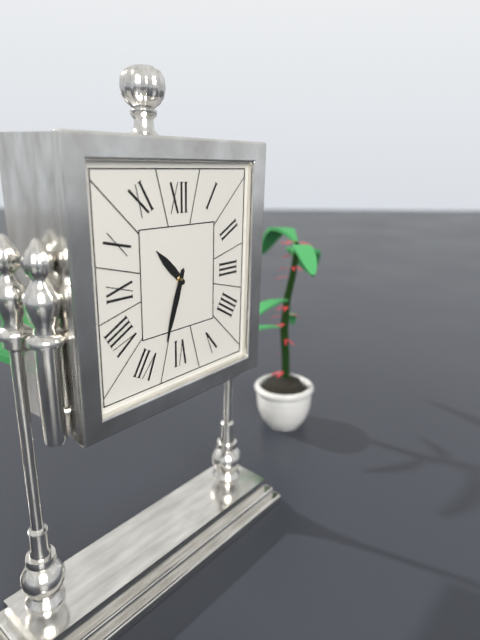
10:33
